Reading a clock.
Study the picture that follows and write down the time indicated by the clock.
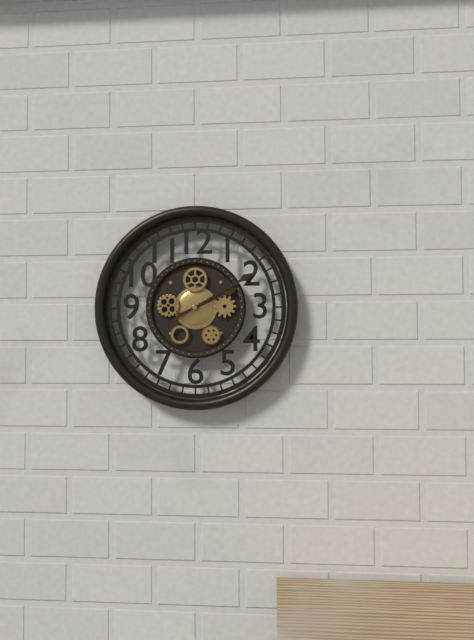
2:10
